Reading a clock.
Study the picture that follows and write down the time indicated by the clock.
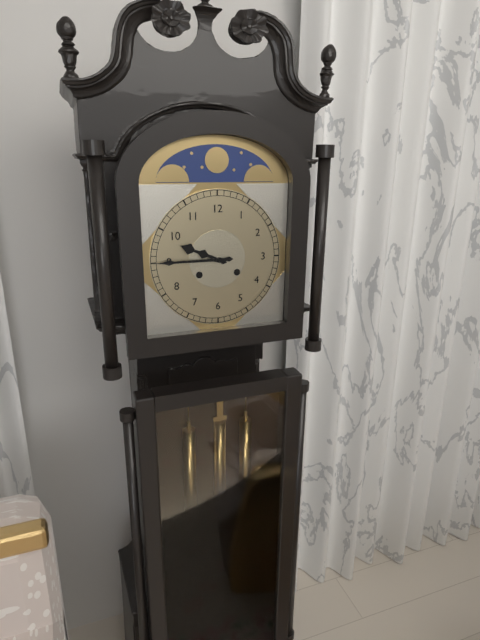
9:45
